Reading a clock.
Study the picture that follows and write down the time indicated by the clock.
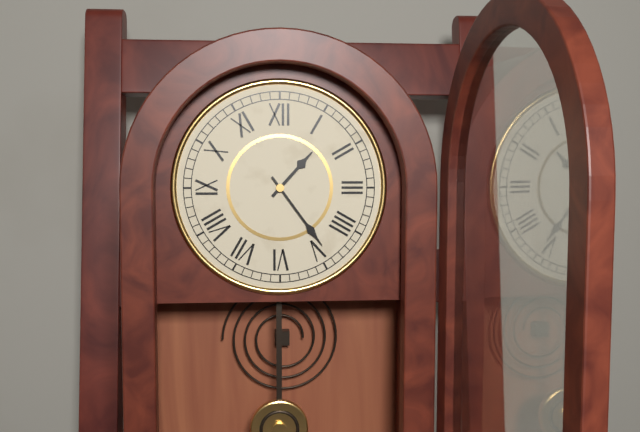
1:24
